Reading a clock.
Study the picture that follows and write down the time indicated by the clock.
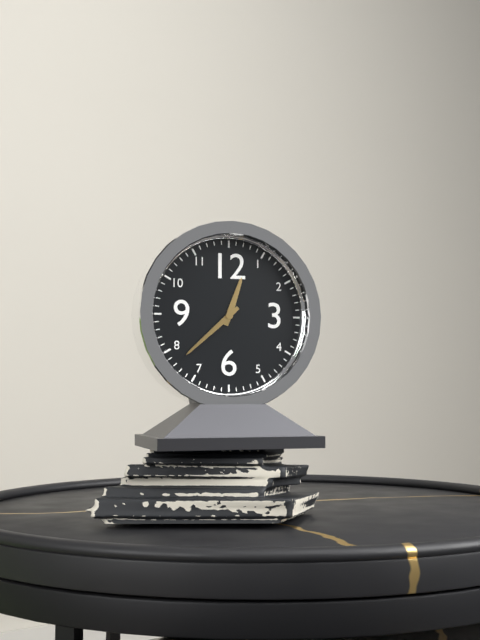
12:38
